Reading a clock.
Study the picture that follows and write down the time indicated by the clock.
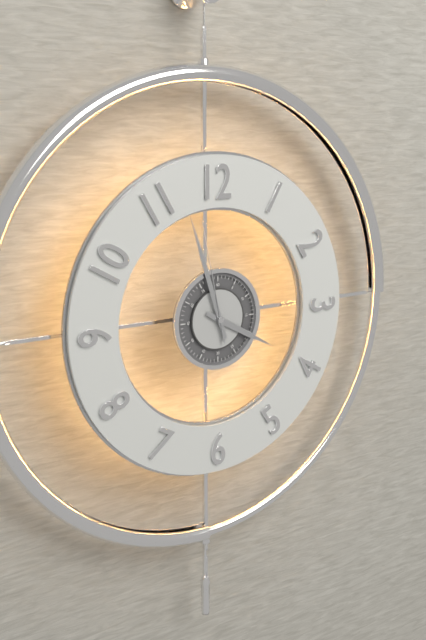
3:57:58
